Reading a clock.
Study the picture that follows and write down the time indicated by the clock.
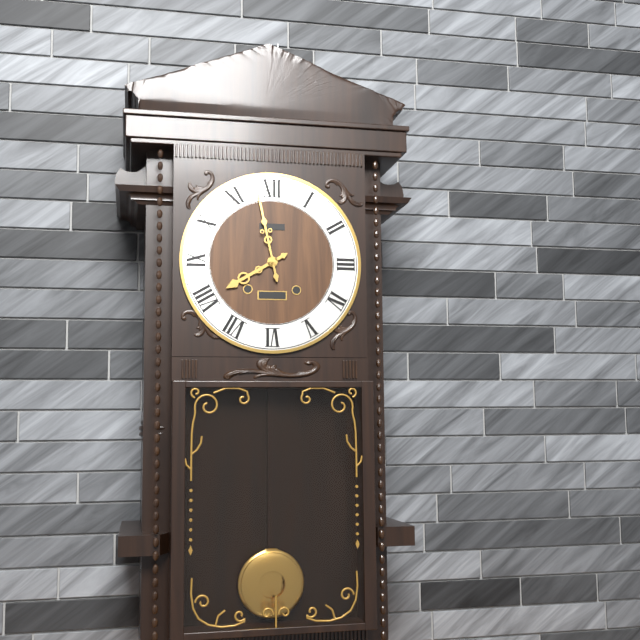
7:58
